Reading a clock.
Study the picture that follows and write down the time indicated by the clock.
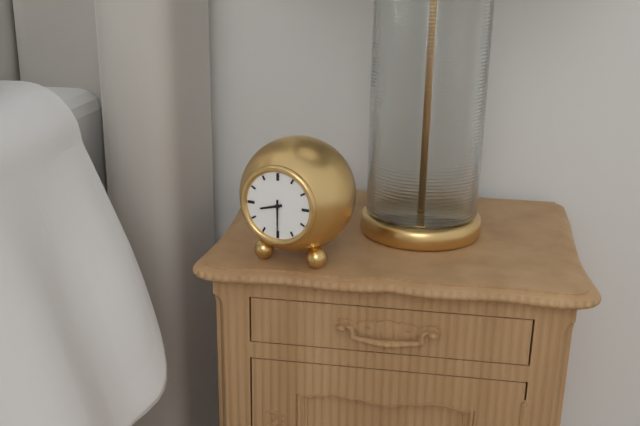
8:30
